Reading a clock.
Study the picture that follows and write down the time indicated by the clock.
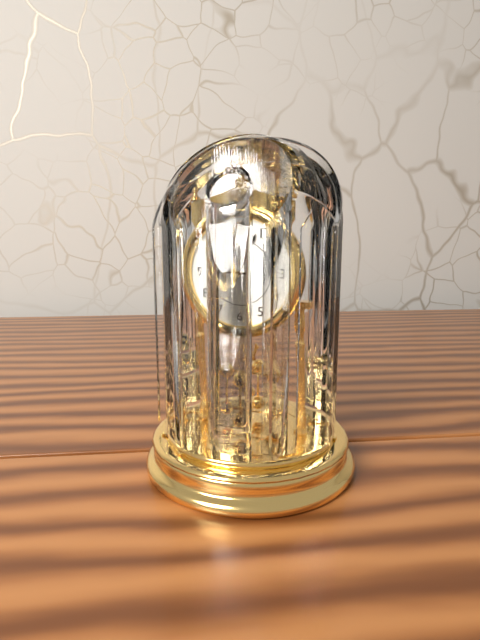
9:04
